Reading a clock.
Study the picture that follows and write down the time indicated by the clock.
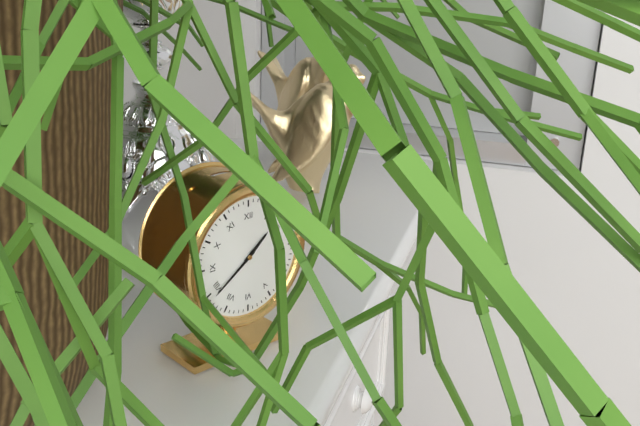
1:39
